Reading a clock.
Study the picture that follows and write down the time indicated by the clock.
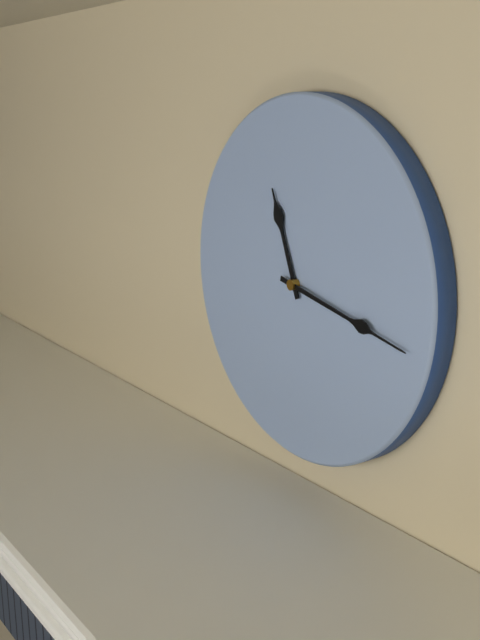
11:17
